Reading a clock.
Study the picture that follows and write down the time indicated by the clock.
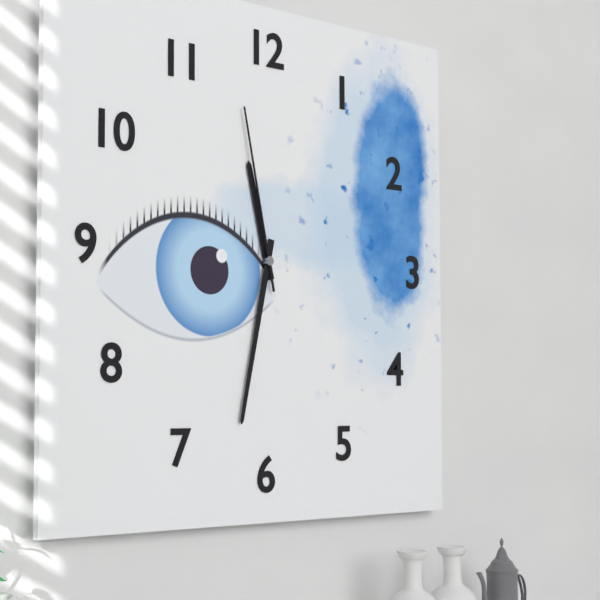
11:32:58
